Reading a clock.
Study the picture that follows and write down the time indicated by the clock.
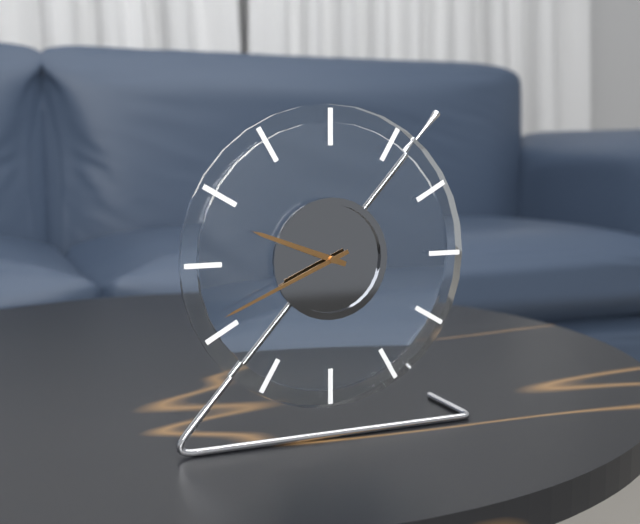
9:41
